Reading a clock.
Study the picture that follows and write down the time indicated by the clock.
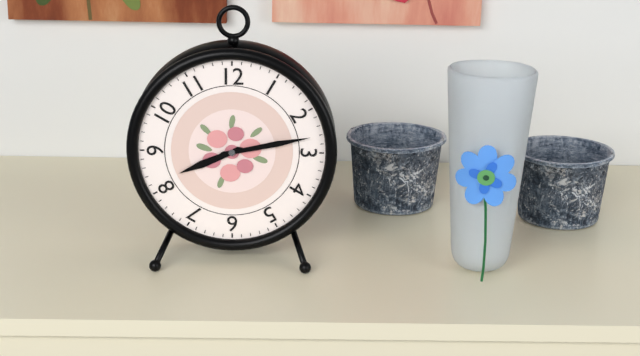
8:13
